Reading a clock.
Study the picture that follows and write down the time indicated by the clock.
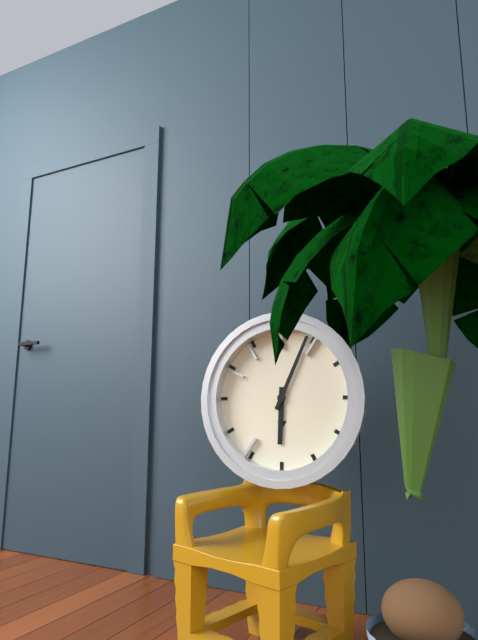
6:04
